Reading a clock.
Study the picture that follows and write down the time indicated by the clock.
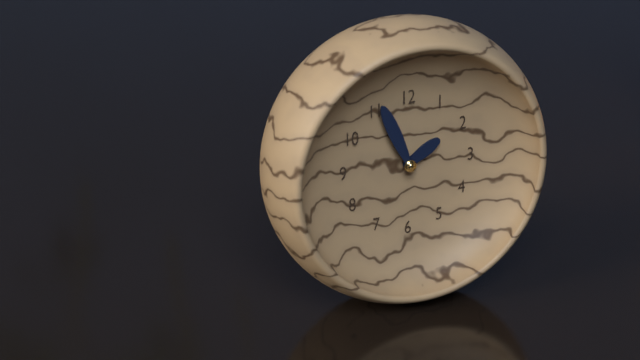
1:56
